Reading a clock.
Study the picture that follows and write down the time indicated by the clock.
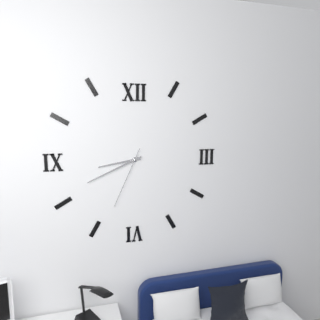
8:41:34
